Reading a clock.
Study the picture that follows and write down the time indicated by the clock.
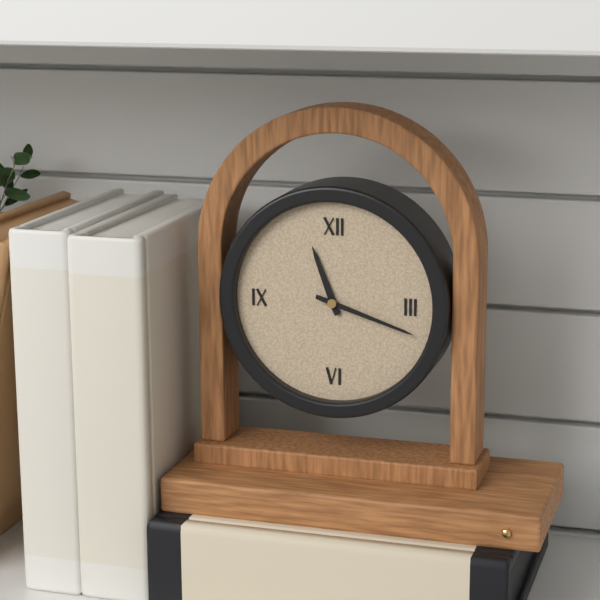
11:18
